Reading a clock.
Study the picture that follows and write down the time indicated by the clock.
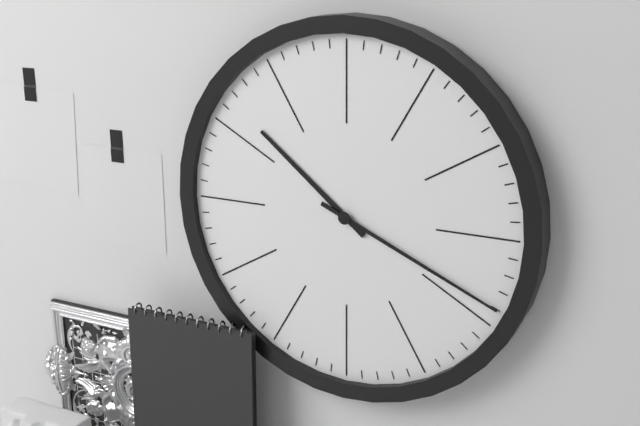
10:19
